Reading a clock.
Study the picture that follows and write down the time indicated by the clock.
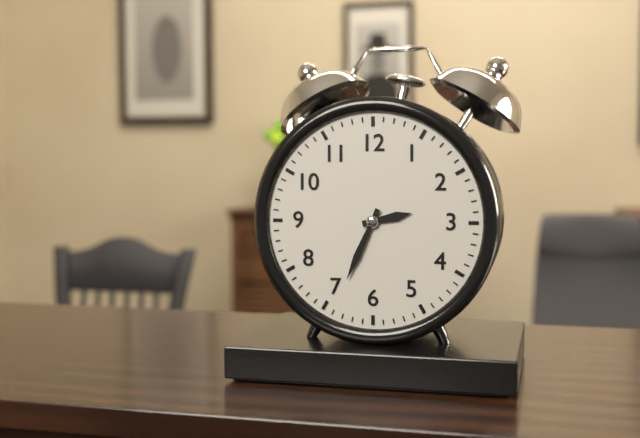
2:34
